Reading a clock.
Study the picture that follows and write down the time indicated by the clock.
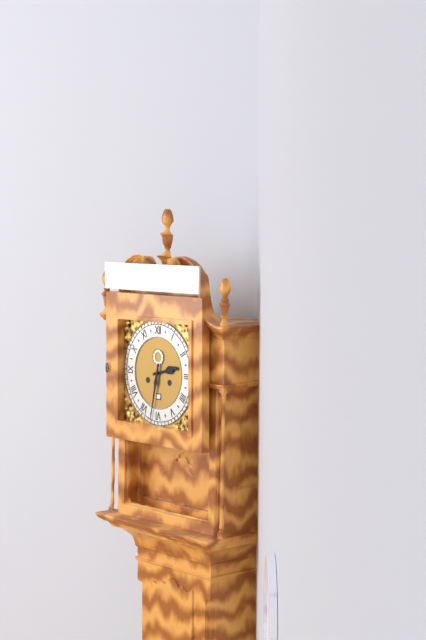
2:32
